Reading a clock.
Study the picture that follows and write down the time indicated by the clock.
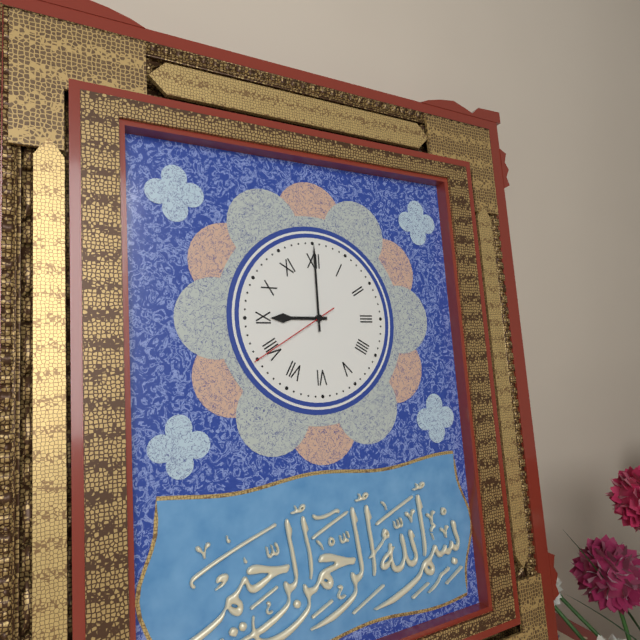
9:00:40
